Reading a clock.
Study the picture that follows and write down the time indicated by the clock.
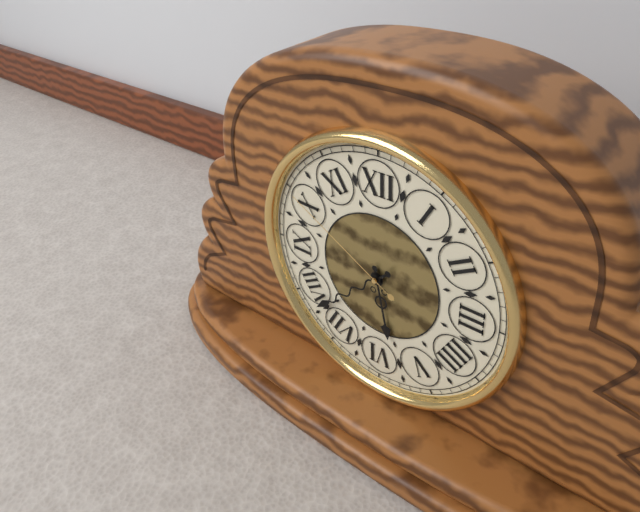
5:38:50
